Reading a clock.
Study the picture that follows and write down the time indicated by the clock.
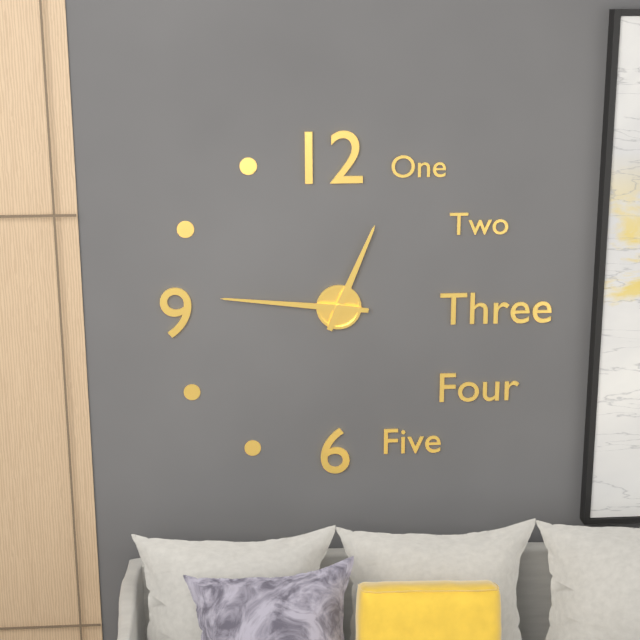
12:46
